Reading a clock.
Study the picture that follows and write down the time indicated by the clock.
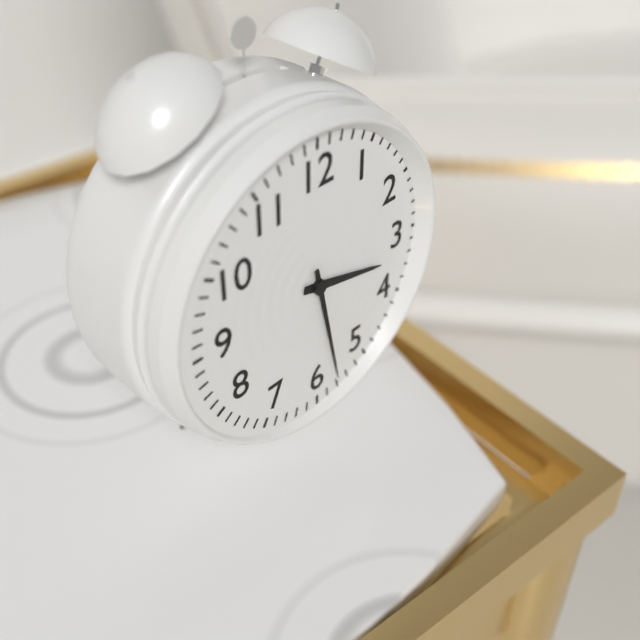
3:28
